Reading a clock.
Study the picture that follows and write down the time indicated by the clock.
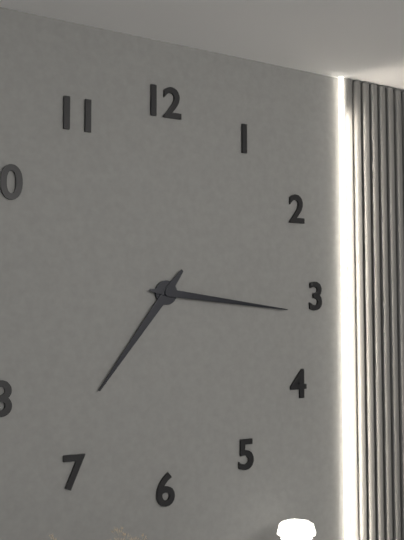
7:16
